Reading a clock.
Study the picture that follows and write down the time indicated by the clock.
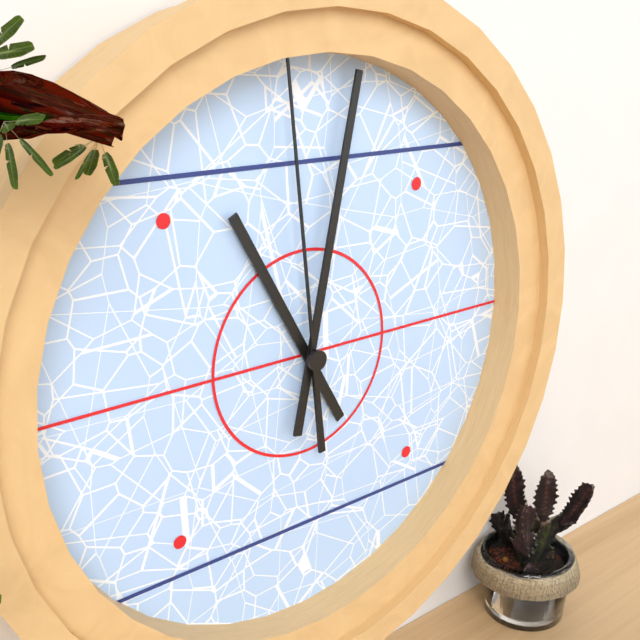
11:02:59
